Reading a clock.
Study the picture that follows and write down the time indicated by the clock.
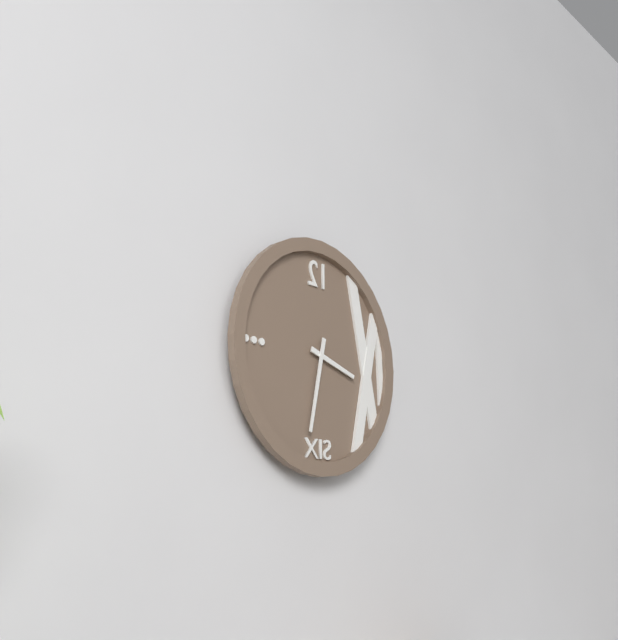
3:32
